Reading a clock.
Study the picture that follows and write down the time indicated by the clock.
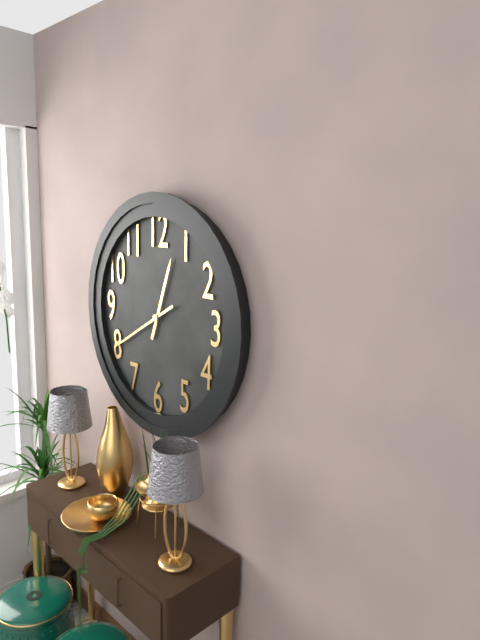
12:40
